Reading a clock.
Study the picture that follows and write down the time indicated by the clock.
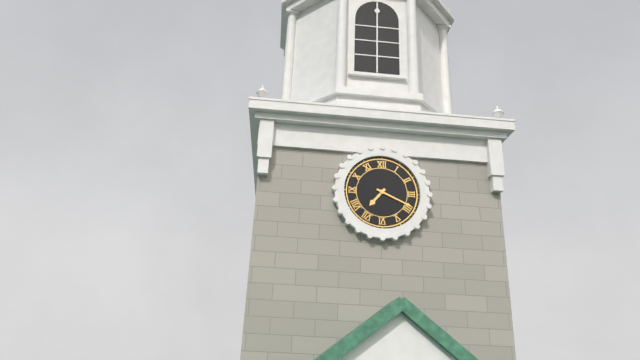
7:19
